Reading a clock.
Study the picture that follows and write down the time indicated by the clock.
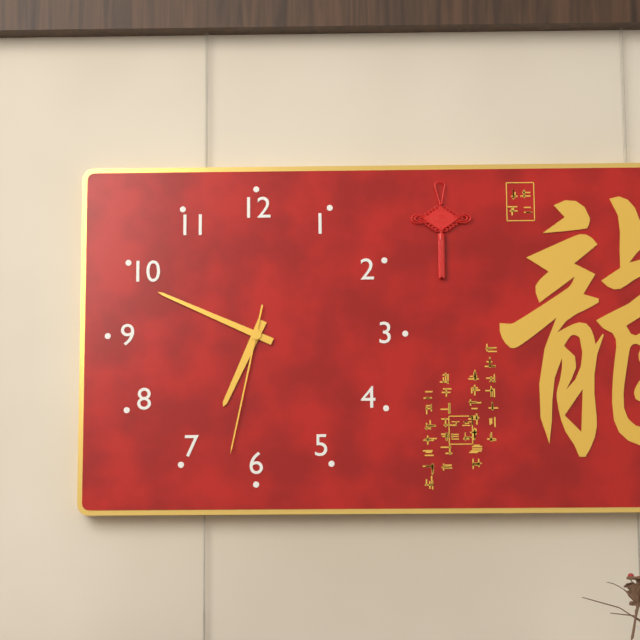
6:49:32
